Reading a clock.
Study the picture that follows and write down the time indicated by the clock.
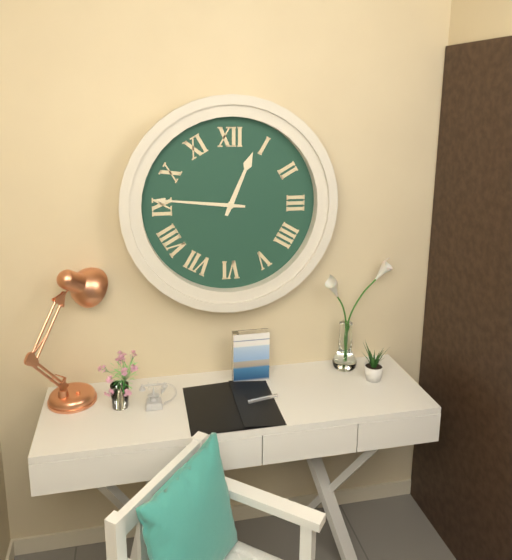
12:46
